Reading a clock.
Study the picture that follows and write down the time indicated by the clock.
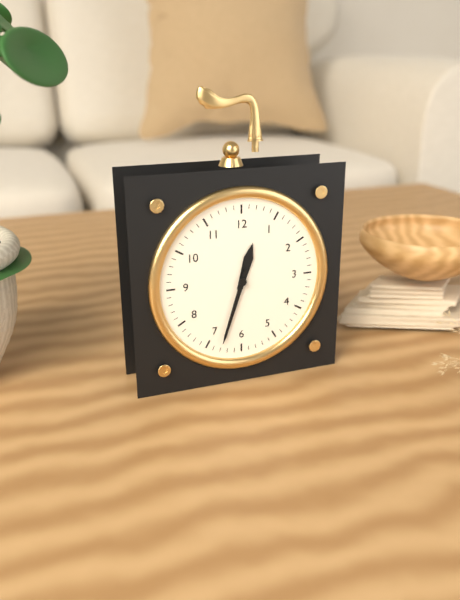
12:33
